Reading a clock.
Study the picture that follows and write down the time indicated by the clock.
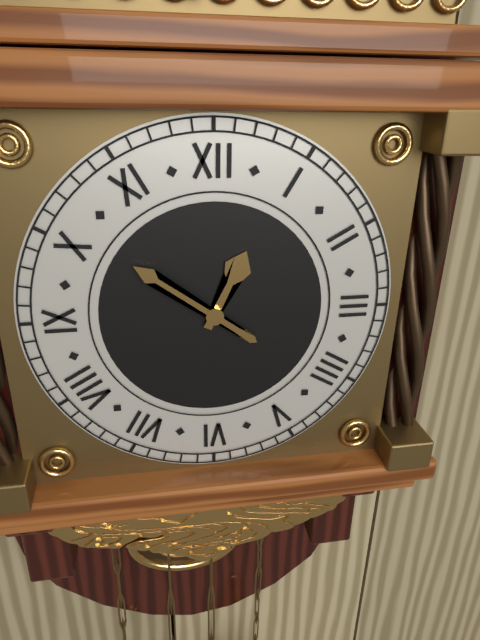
12:51
